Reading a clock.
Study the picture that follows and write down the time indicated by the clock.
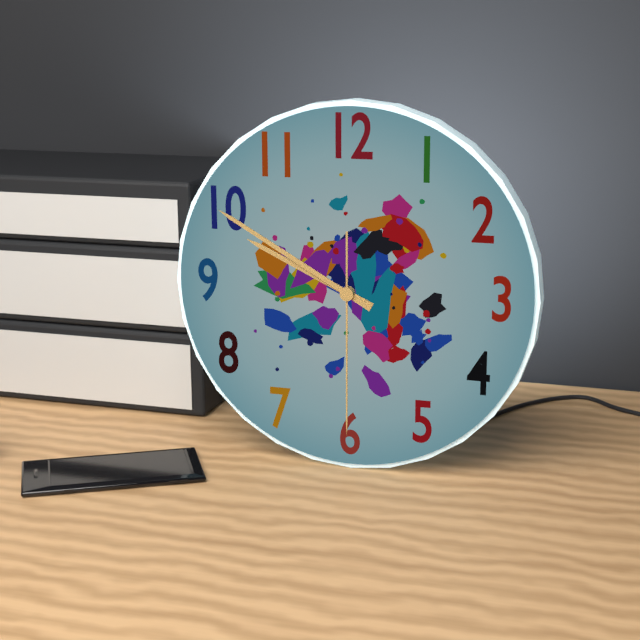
9:50:30
